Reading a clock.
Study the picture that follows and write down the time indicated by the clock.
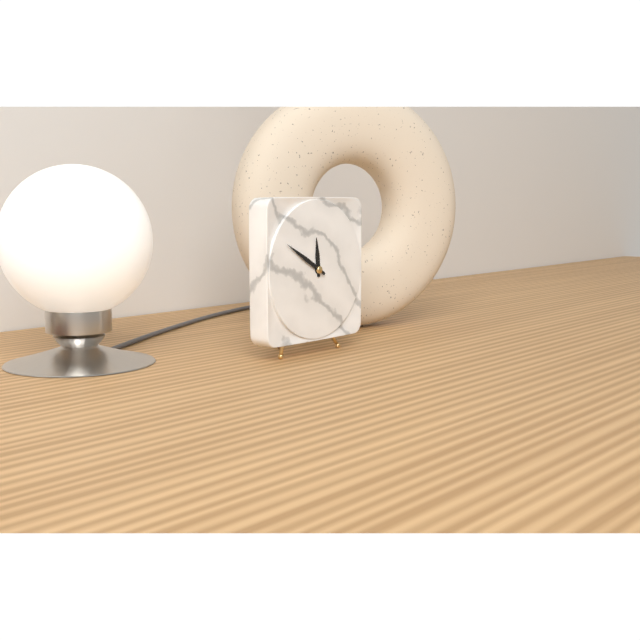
11:50
